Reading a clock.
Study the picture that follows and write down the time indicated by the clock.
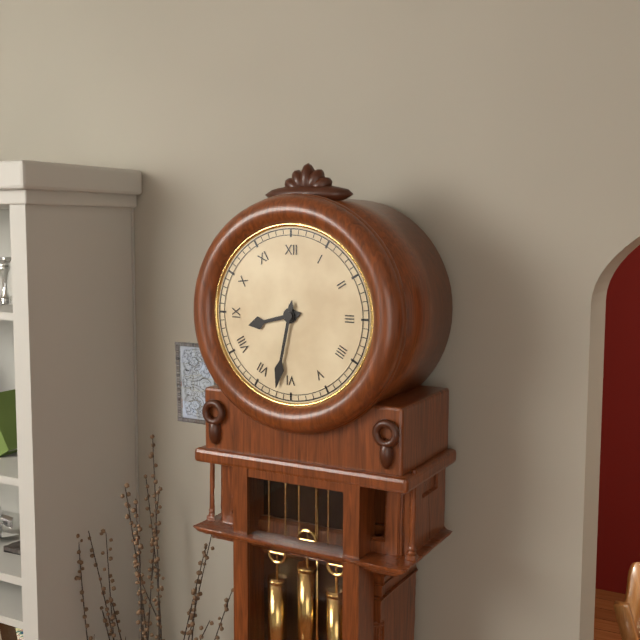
8:32
